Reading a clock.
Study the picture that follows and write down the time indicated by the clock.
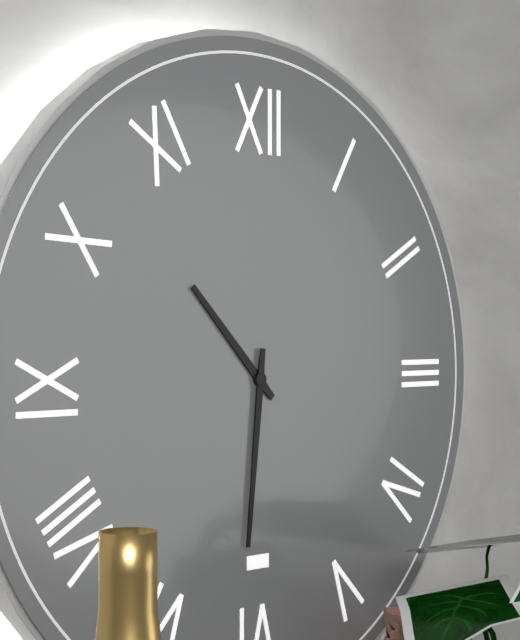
10:31
